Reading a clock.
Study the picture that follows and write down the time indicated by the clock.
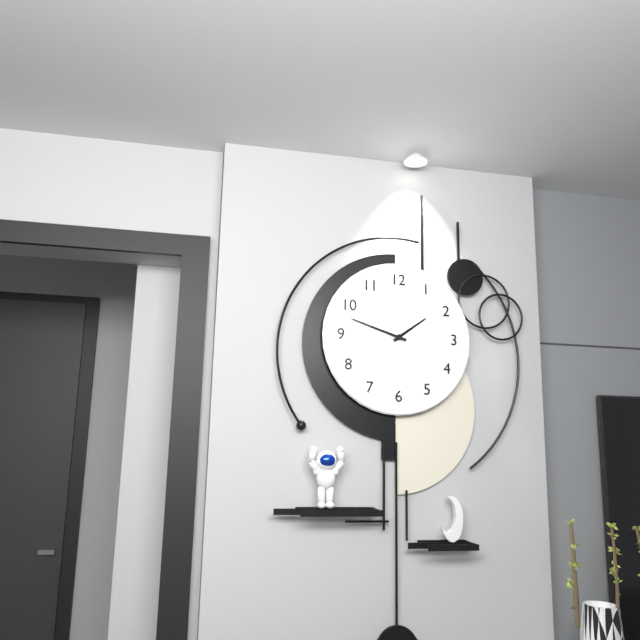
1:48
